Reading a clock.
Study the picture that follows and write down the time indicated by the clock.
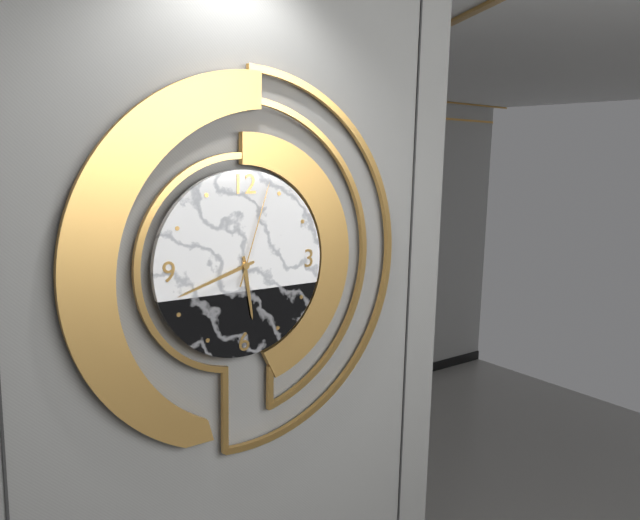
5:42:03
